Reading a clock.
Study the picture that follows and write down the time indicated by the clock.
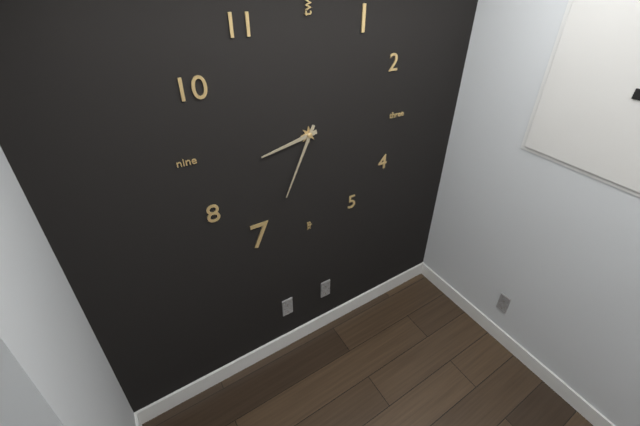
8:34
